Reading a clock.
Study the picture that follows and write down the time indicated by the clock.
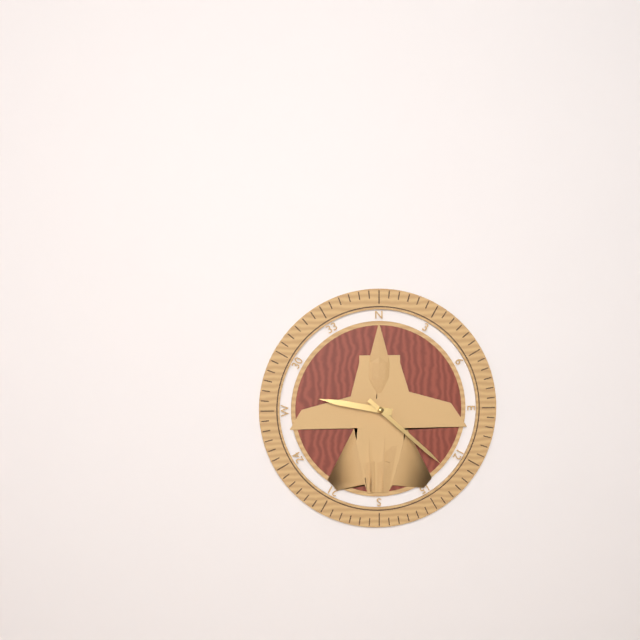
9:22
